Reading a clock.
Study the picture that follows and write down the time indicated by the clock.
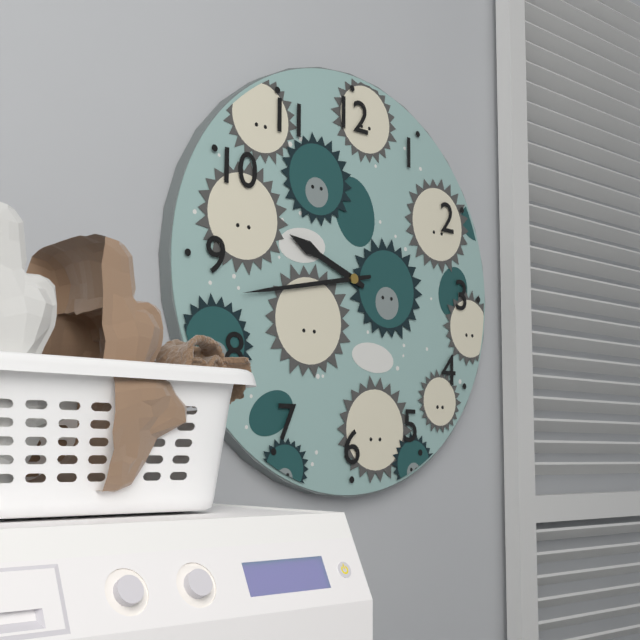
9:43
